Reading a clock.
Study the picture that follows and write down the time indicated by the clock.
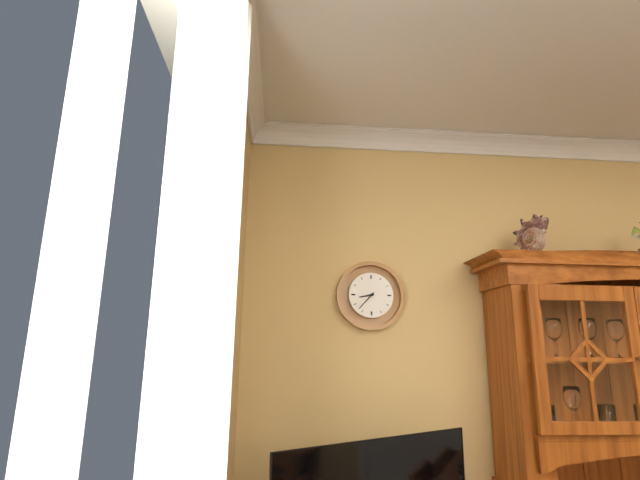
8:37
